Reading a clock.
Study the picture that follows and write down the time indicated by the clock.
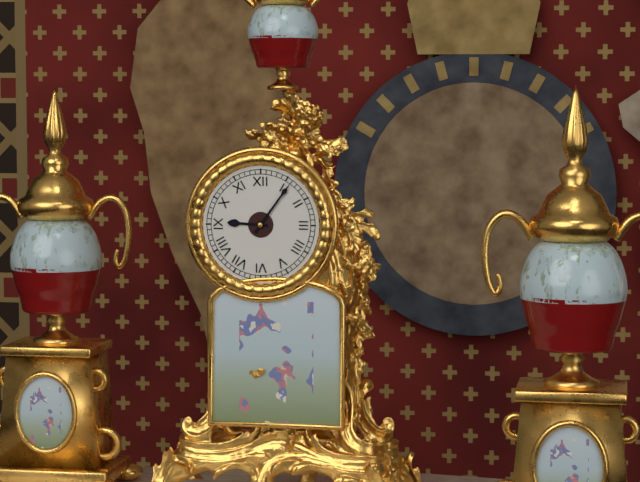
9:06
